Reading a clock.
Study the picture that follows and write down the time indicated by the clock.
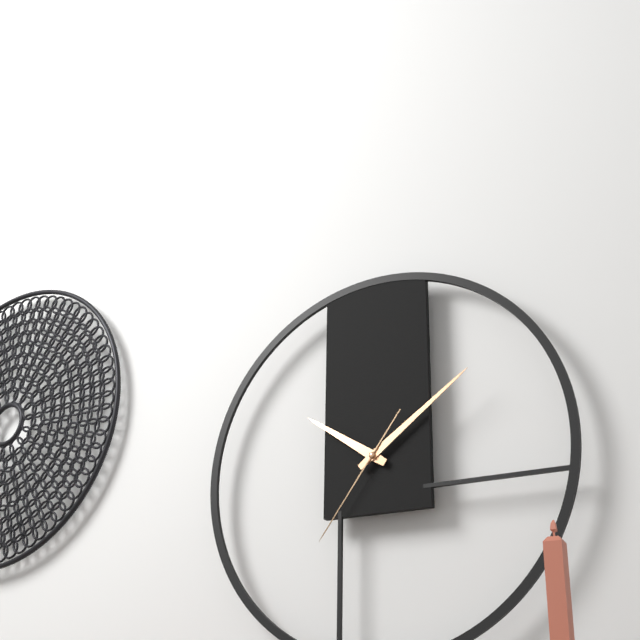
10:09:36
